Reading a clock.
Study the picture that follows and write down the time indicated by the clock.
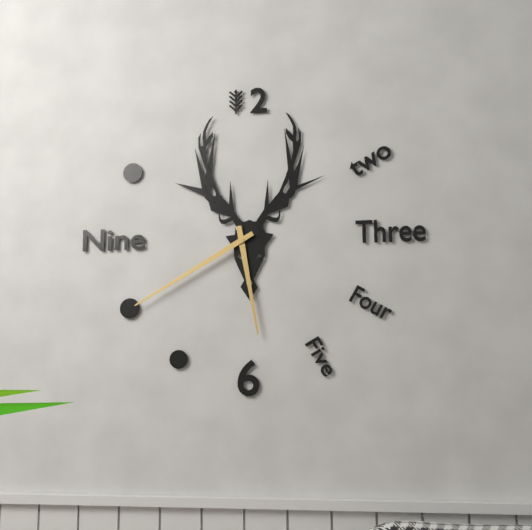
5:40
